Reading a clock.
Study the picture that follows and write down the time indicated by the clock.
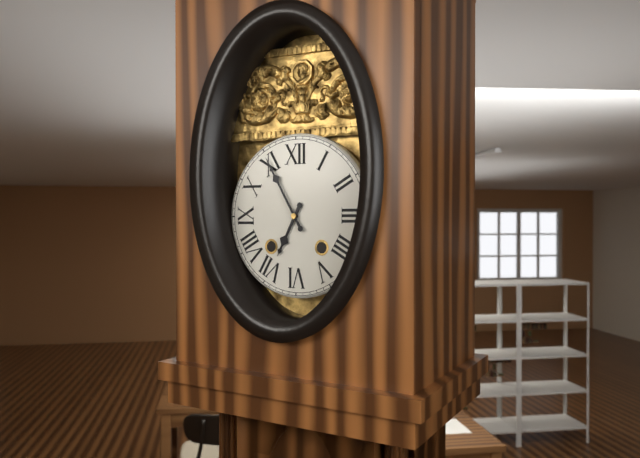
6:55
